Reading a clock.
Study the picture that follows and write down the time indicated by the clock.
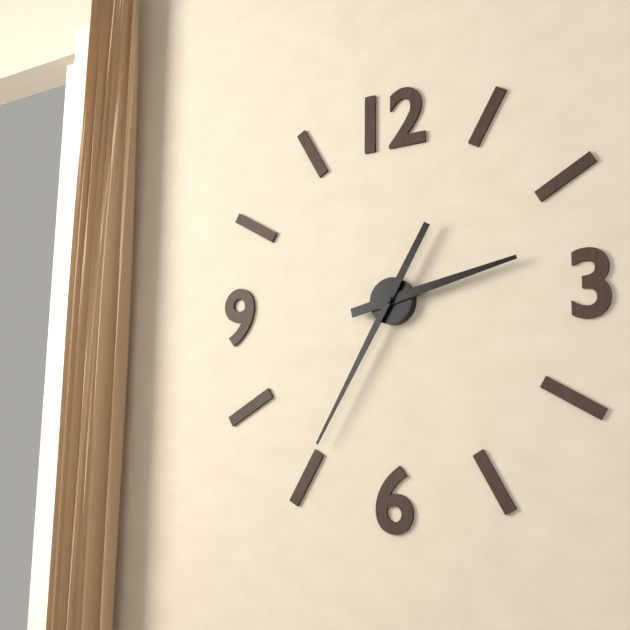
2:35
